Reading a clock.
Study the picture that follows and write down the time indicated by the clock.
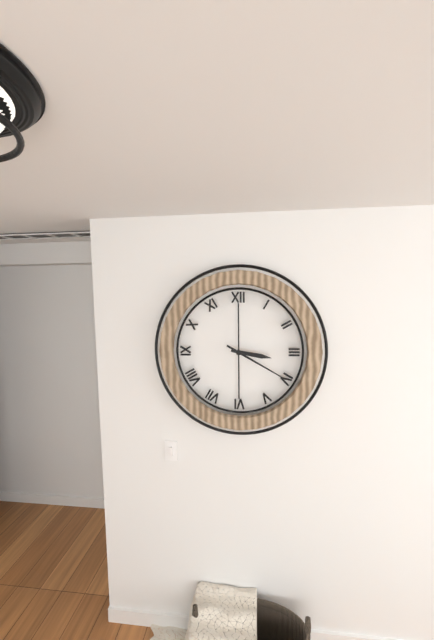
3:20
